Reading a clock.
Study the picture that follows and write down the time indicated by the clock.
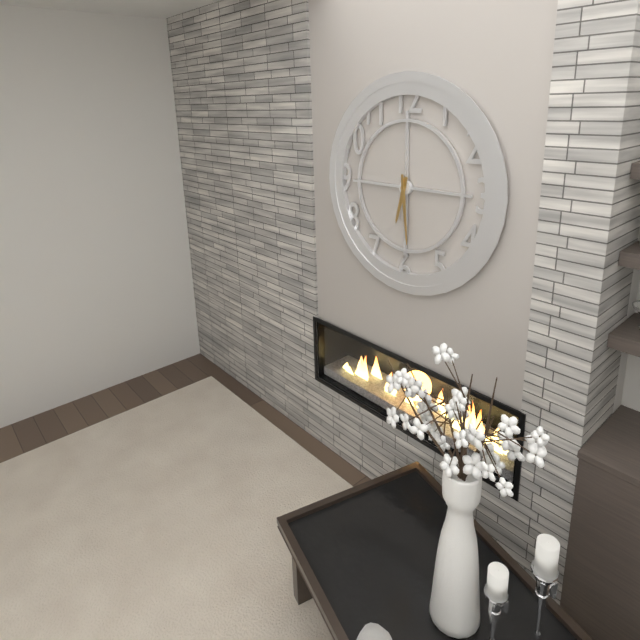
6:29
